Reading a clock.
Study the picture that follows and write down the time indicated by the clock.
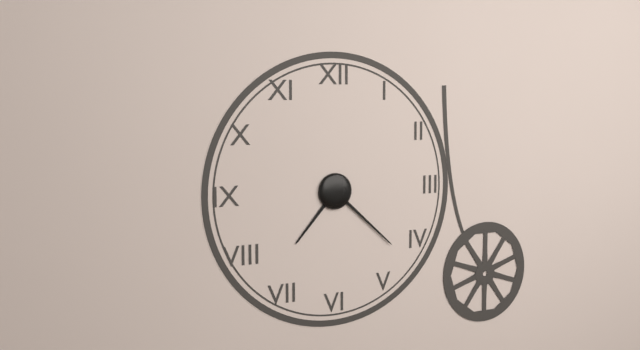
7:22
